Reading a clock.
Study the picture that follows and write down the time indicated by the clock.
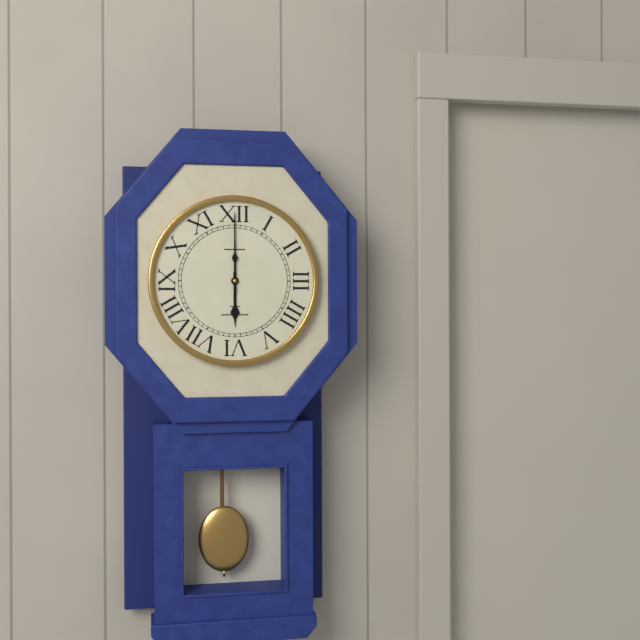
6:00
